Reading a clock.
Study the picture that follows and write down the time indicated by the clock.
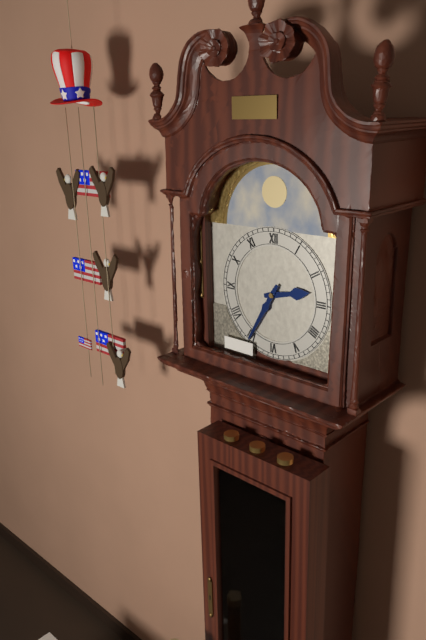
2:35
